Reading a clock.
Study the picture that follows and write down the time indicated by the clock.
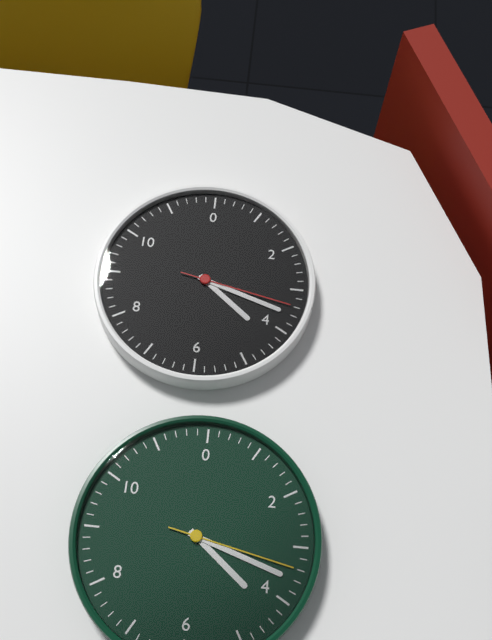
4:18:17
